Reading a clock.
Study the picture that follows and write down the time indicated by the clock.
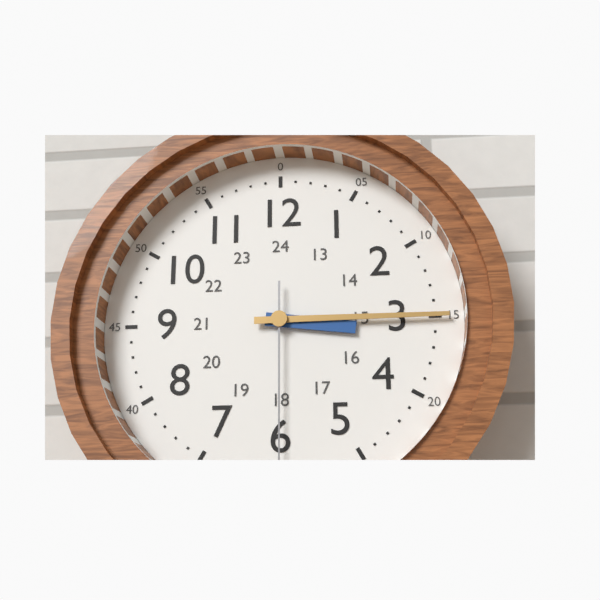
3:15:30
